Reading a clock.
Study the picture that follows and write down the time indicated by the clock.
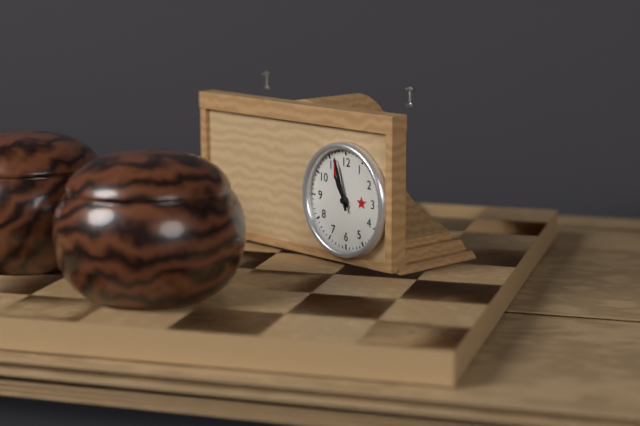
10:57
